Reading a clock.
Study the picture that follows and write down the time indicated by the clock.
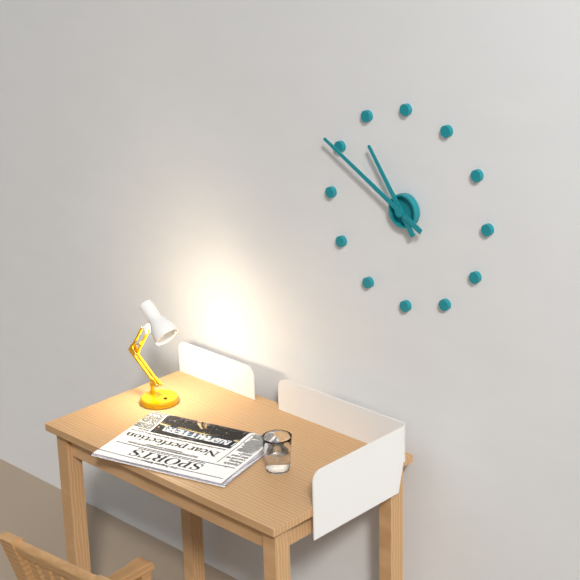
10:50
